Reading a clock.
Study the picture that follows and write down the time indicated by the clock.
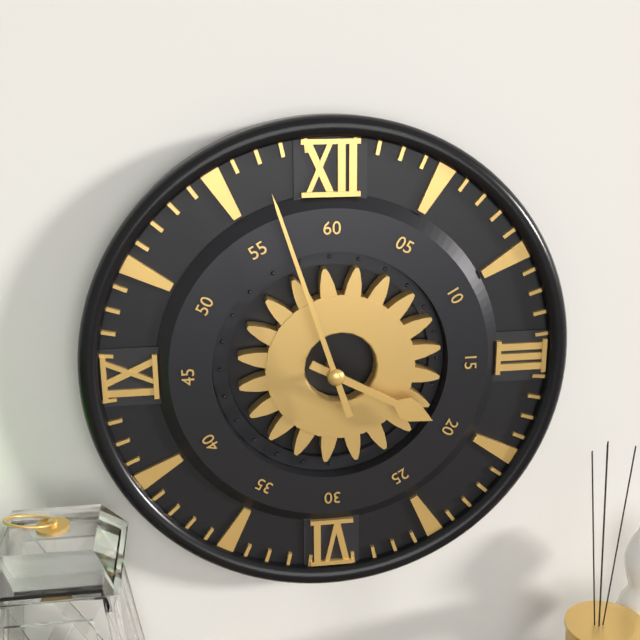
3:57
